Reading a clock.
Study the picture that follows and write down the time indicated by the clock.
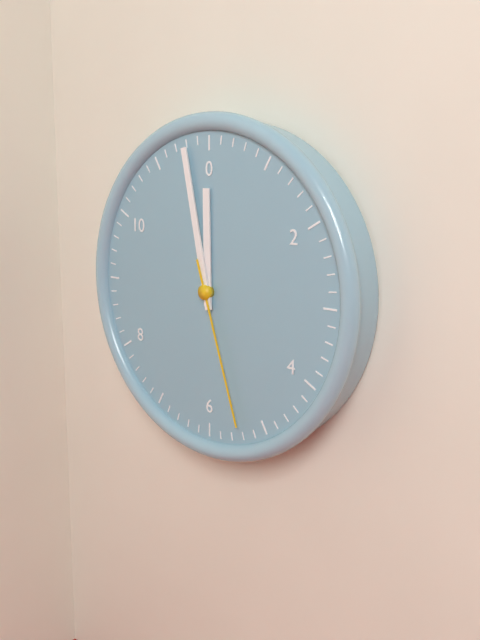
11:58:27
